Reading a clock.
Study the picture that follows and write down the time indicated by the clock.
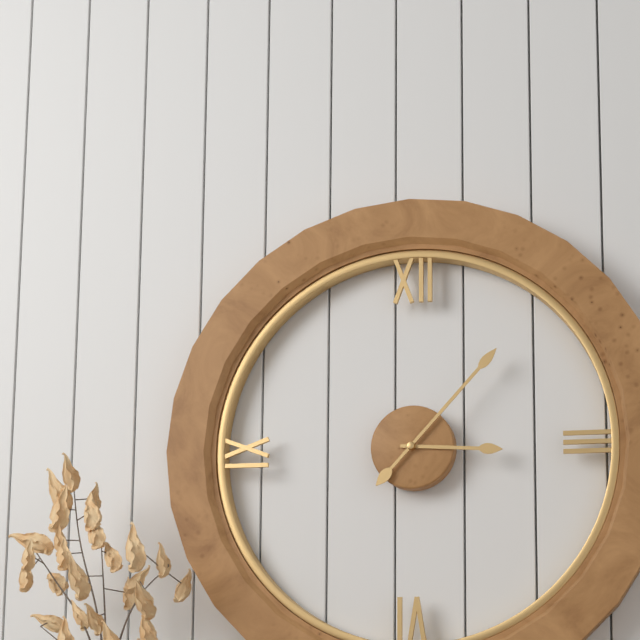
3:07
